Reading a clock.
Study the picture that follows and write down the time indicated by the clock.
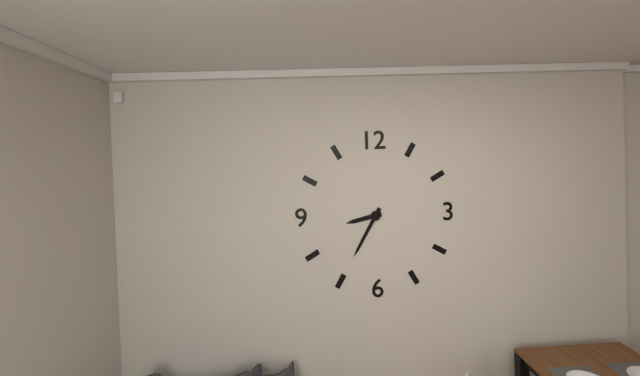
8:35
